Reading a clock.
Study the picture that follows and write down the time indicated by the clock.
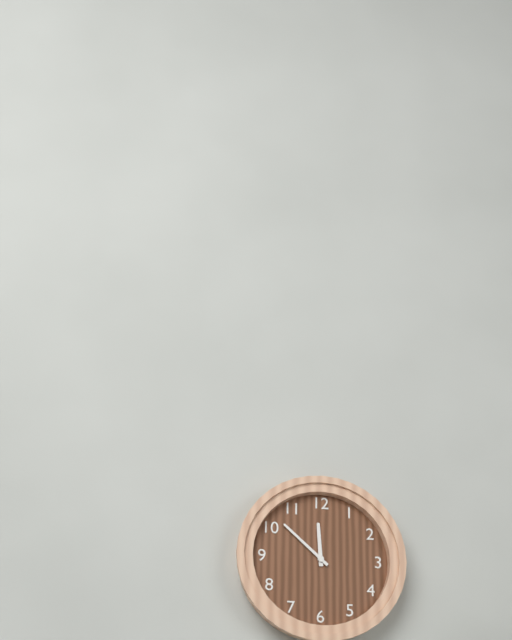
11:52
